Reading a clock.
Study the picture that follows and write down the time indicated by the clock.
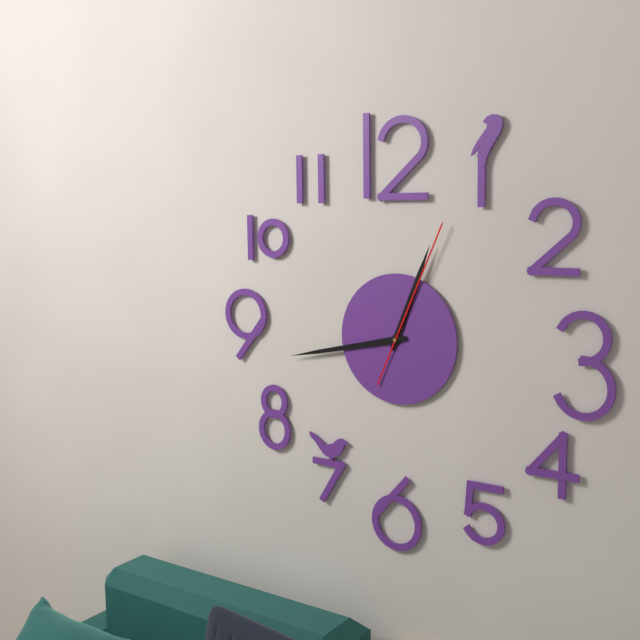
12:43:04
